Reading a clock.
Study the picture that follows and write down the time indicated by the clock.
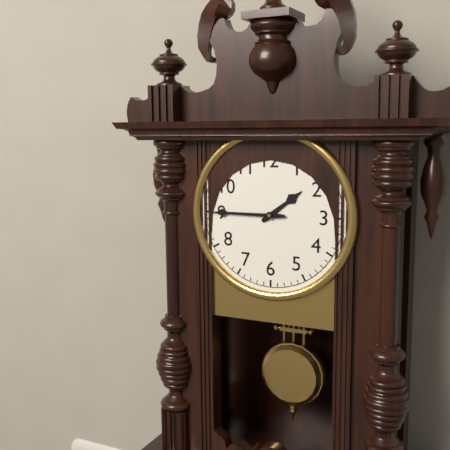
1:45
